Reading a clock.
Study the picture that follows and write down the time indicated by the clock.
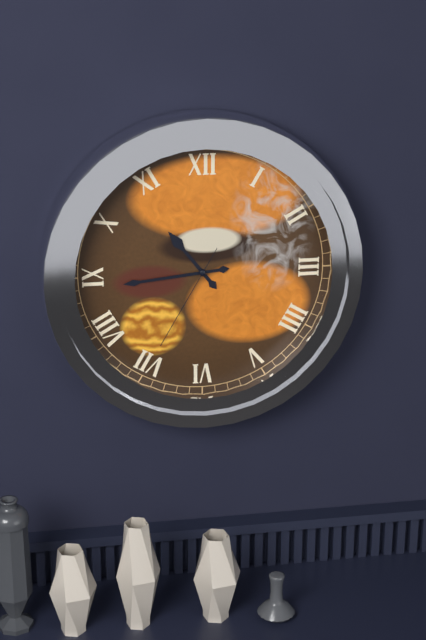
10:44:35
